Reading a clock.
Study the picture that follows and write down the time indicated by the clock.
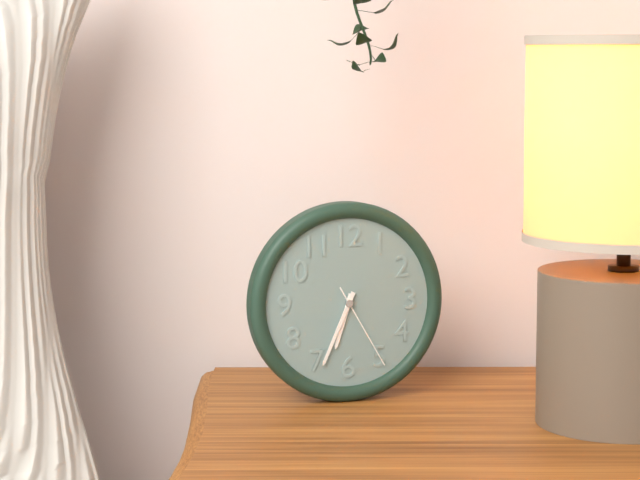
6:34:25
